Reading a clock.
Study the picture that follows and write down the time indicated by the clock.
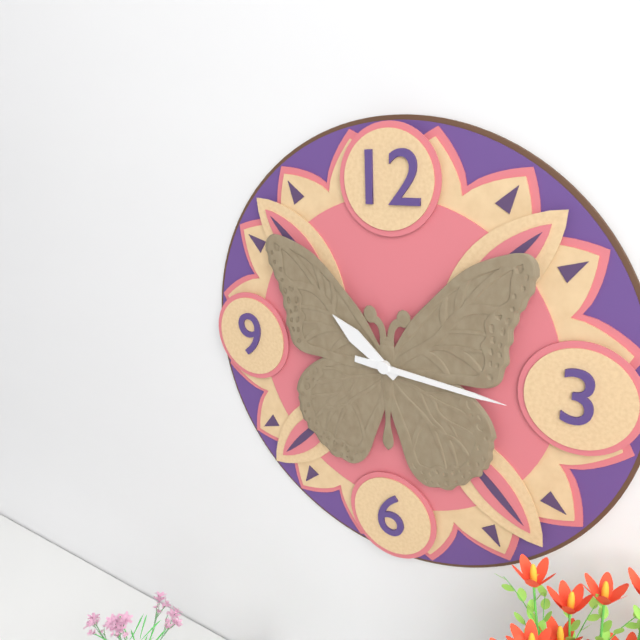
10:16
